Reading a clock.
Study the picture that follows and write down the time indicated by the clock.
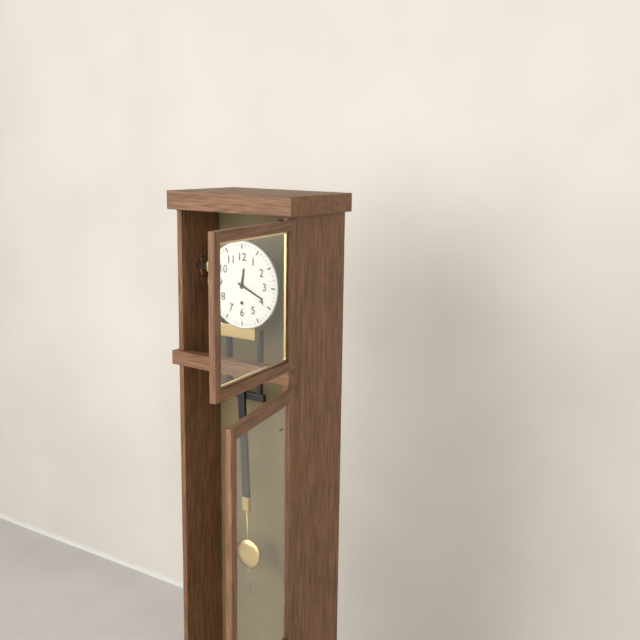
12:19
